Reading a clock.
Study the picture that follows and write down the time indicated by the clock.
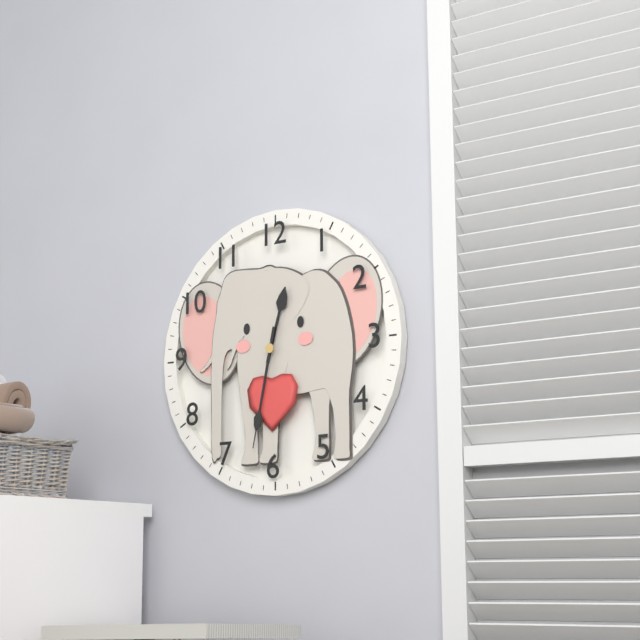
12:32
